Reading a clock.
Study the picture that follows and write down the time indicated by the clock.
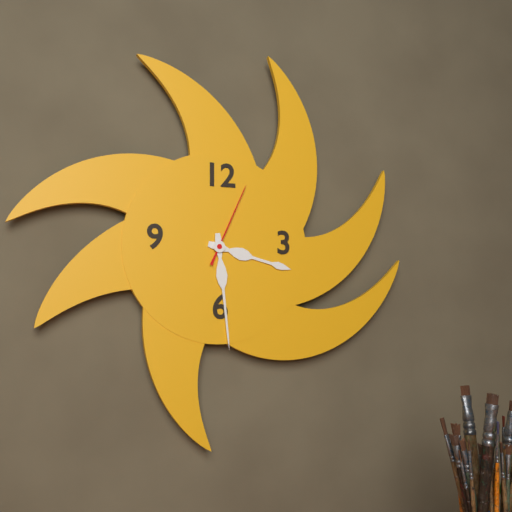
3:29:04
